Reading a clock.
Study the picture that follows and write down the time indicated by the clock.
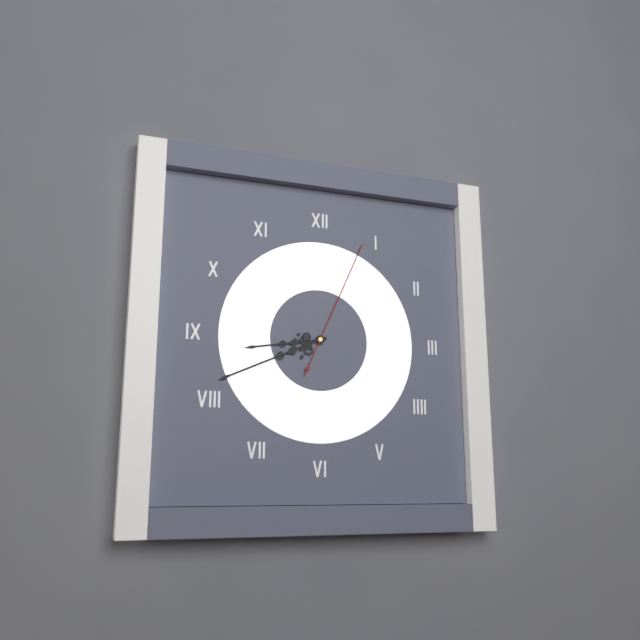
8:41:04
